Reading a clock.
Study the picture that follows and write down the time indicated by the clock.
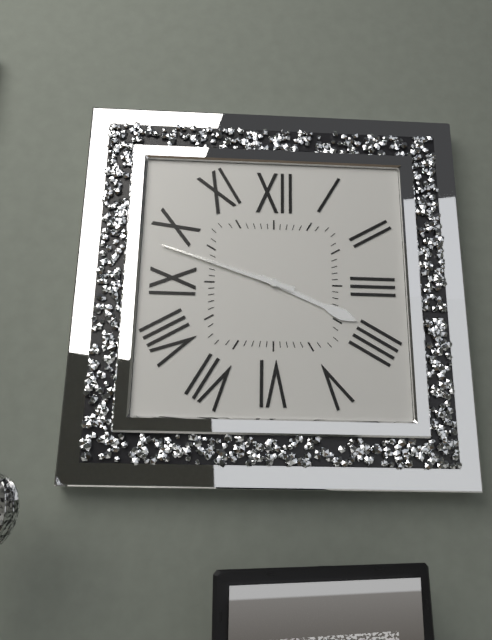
3:48
